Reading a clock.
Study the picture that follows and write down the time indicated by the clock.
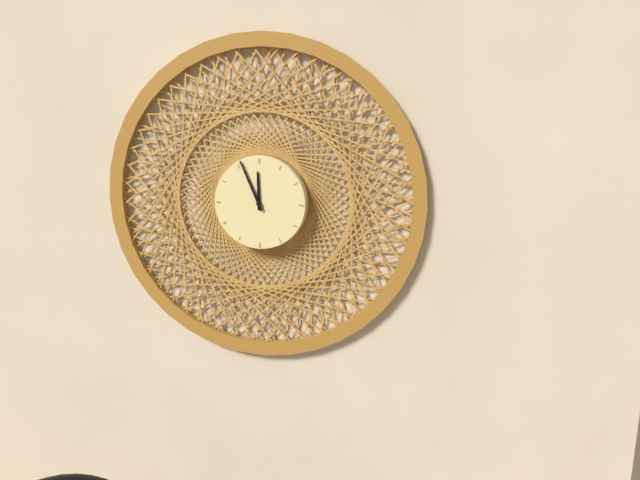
11:56
